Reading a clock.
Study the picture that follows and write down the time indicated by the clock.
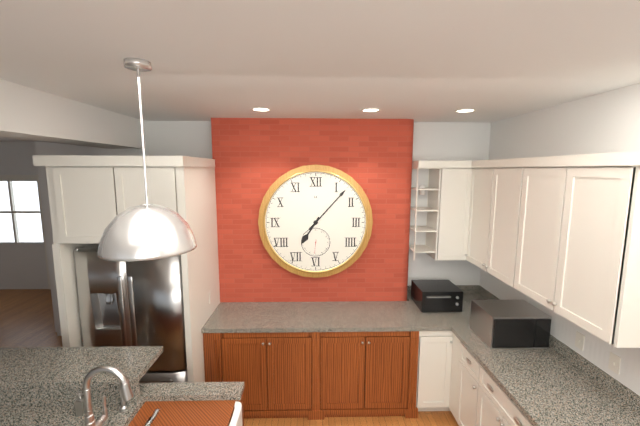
7:07
